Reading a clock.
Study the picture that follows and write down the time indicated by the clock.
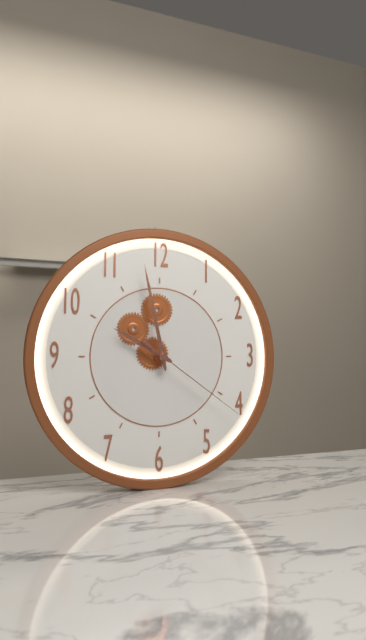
9:58:21
